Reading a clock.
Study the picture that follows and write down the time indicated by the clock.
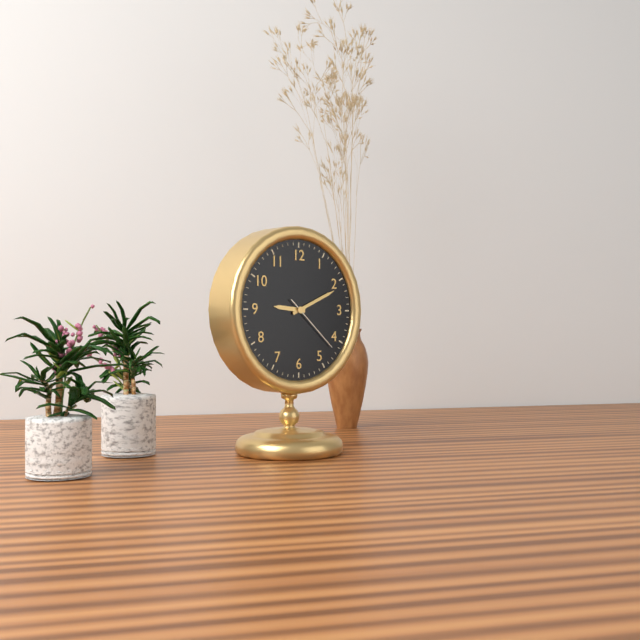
9:11:22
